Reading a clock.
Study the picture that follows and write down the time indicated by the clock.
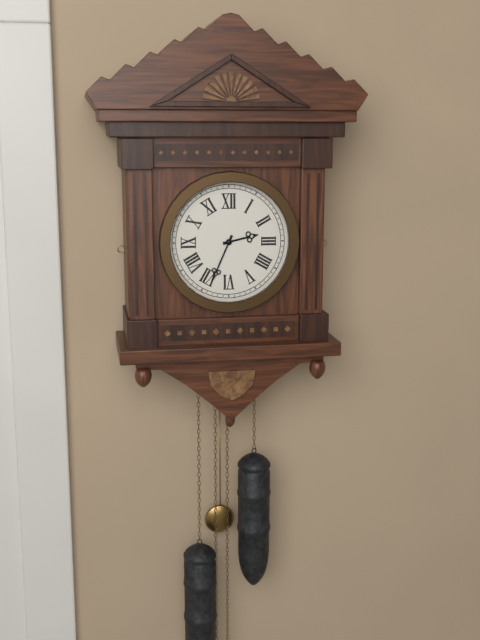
2:34
